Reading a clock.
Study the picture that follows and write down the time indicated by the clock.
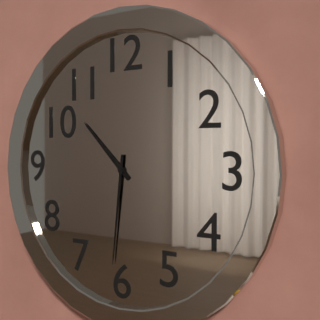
10:31
